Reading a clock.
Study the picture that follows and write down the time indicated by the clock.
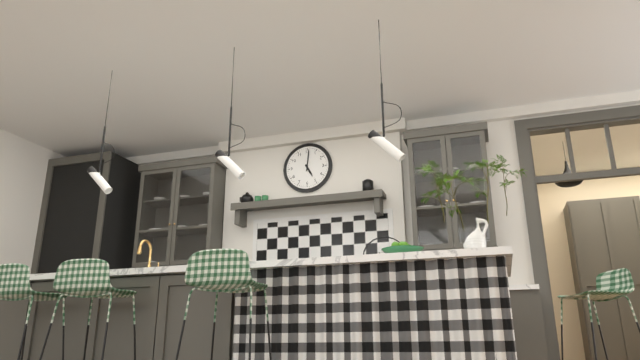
5:01
